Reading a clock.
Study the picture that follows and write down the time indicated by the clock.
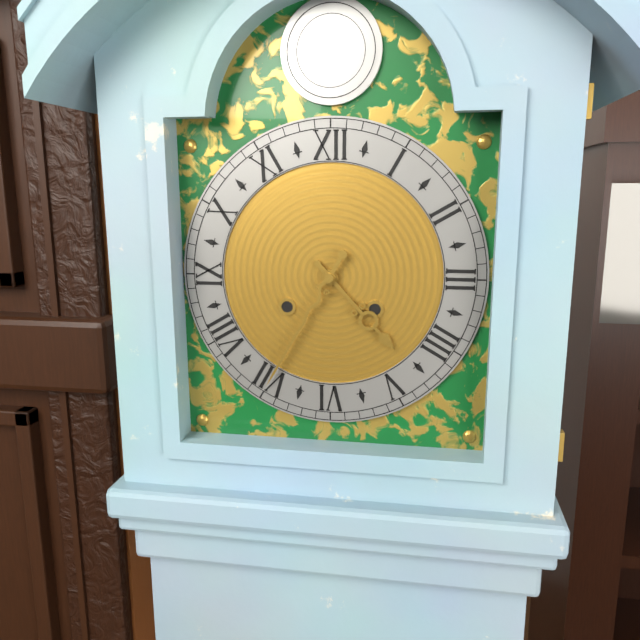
4:35
